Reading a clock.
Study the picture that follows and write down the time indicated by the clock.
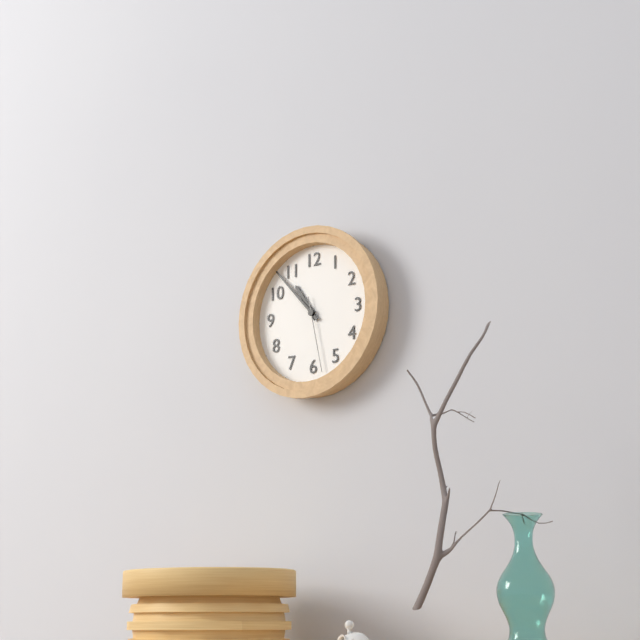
10:53:28
